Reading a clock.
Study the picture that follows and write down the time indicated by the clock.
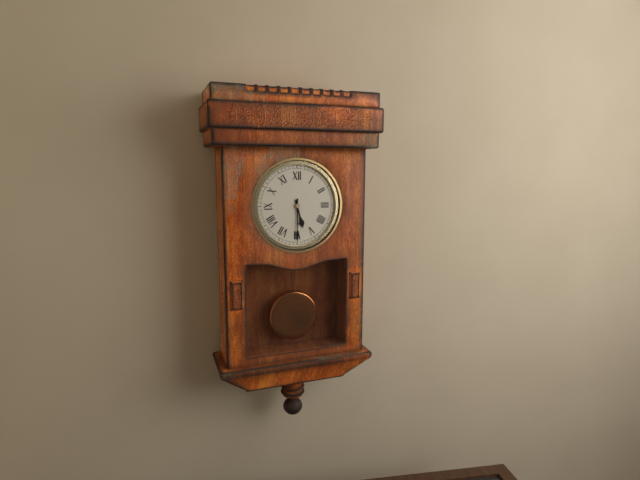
5:30
